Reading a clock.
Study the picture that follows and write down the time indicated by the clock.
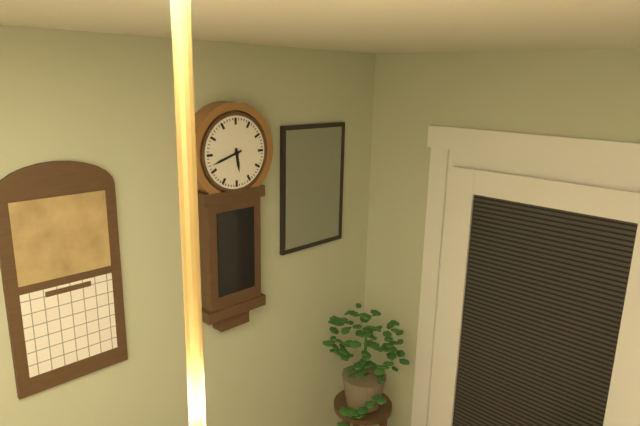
5:42
